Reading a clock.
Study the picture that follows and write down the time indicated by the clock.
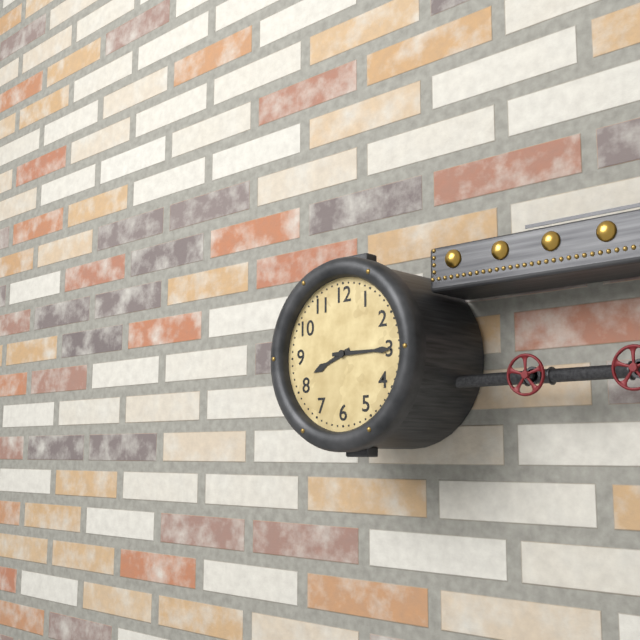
8:15
